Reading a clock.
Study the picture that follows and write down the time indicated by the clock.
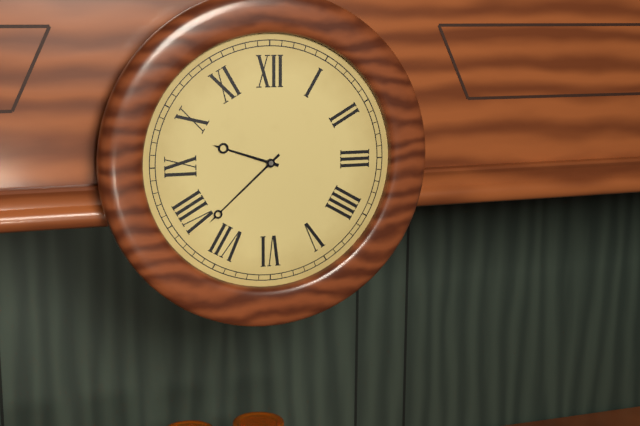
9:38
